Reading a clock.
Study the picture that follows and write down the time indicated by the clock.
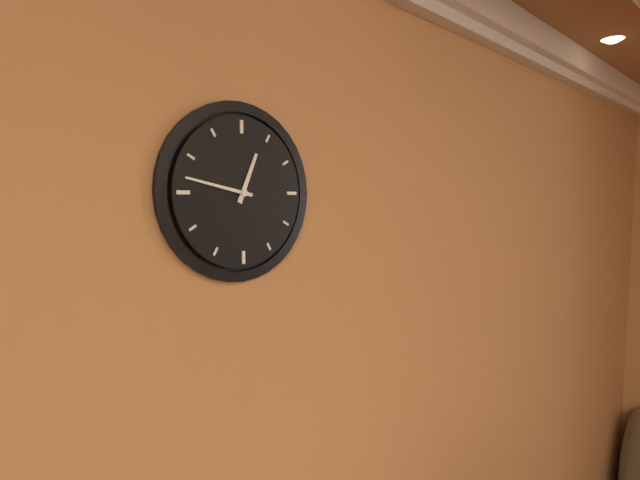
12:47
